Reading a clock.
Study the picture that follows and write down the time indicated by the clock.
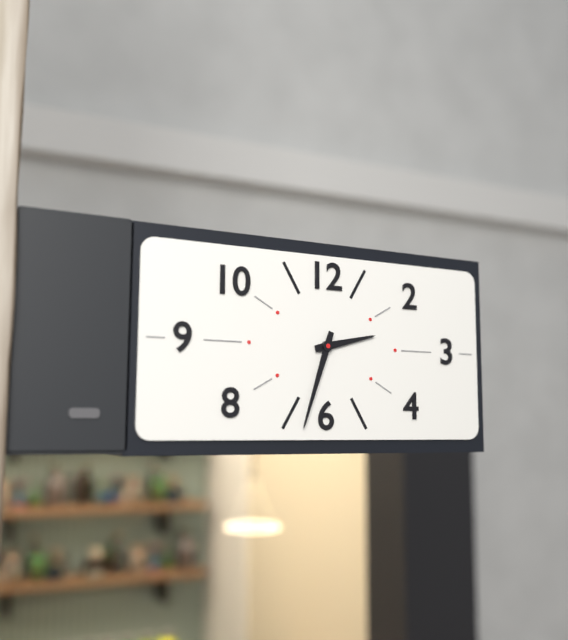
2:33
